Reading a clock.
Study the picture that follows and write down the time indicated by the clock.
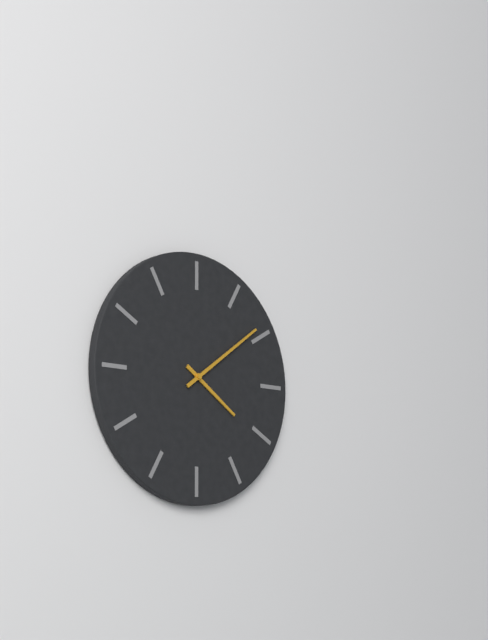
4:09
